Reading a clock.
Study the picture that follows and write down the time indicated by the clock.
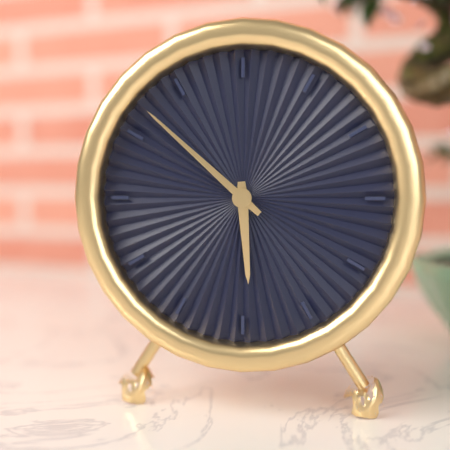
5:52
